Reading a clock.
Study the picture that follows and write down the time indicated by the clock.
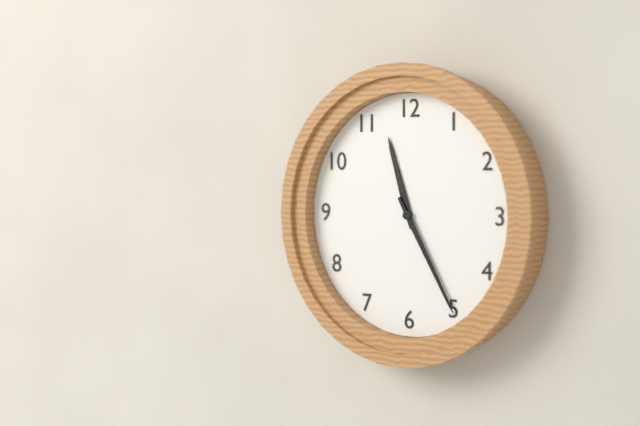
11:25
